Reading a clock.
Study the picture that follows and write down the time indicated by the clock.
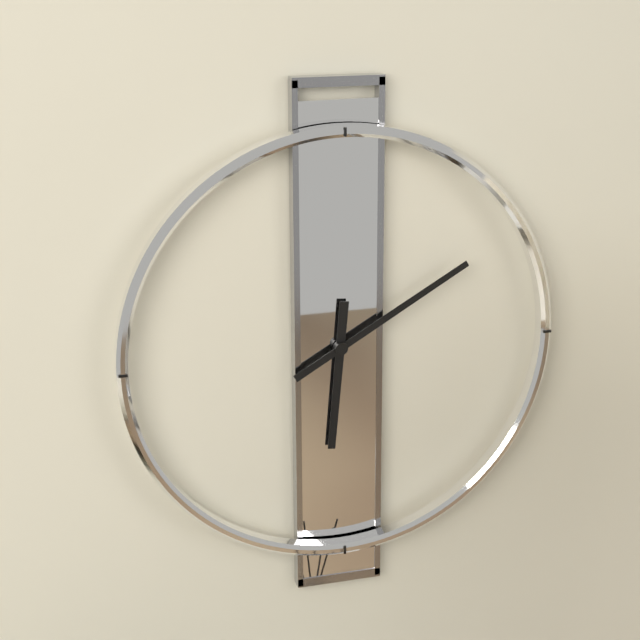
6:10
